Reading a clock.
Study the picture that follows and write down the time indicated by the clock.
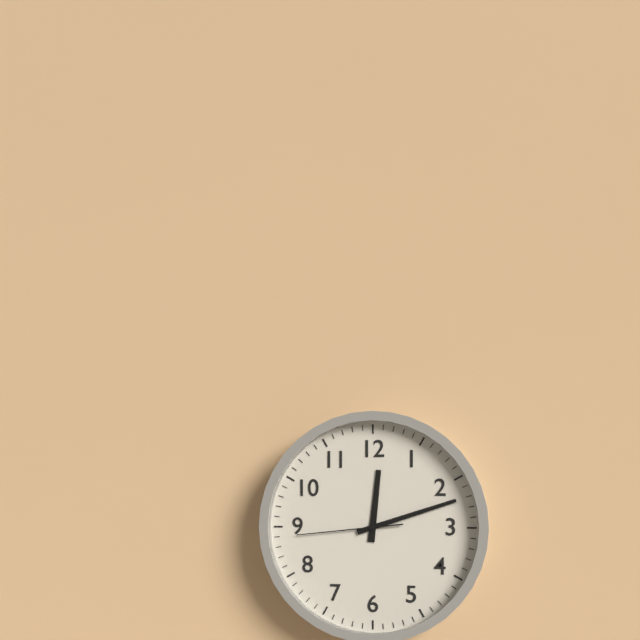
12:12:44
